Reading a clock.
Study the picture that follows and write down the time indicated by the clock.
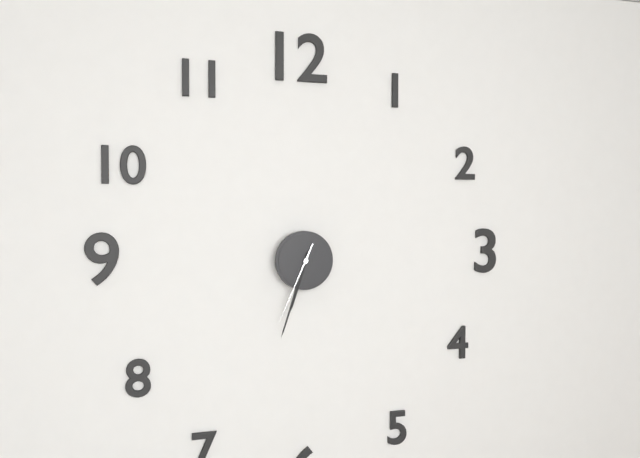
6:33:34
